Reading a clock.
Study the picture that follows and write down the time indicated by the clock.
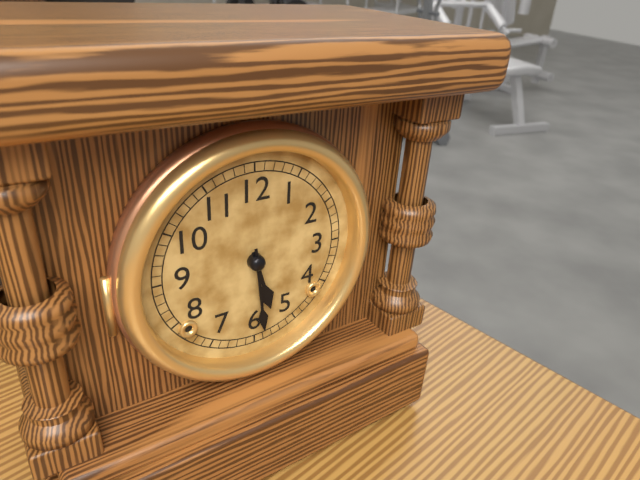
5:29
